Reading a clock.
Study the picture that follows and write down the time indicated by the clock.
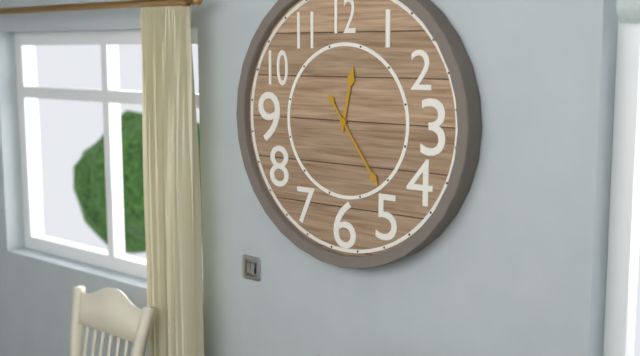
12:24
